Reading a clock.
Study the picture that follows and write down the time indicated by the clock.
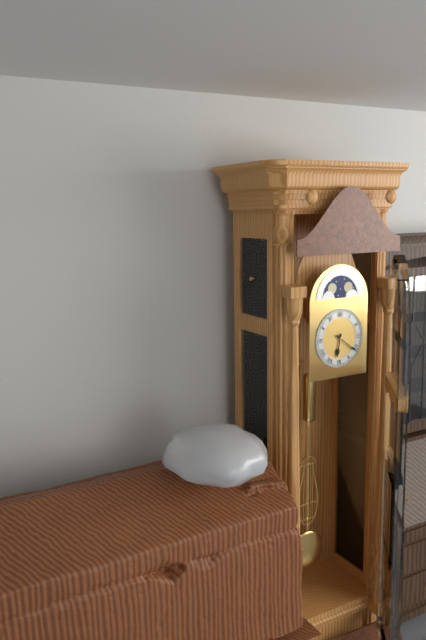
6:21
